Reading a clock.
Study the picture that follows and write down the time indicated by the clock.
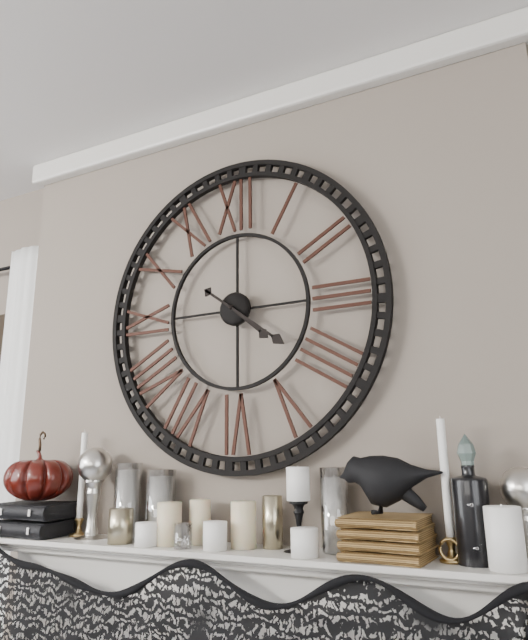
4:21
